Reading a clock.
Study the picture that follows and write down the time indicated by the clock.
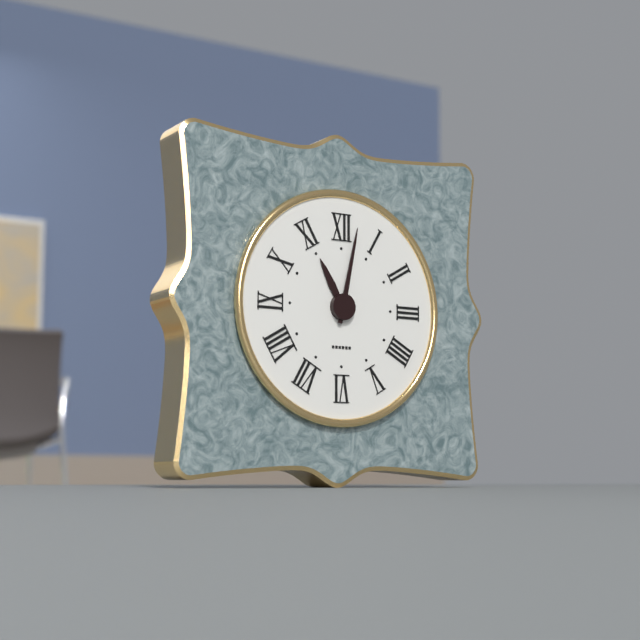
11:02
